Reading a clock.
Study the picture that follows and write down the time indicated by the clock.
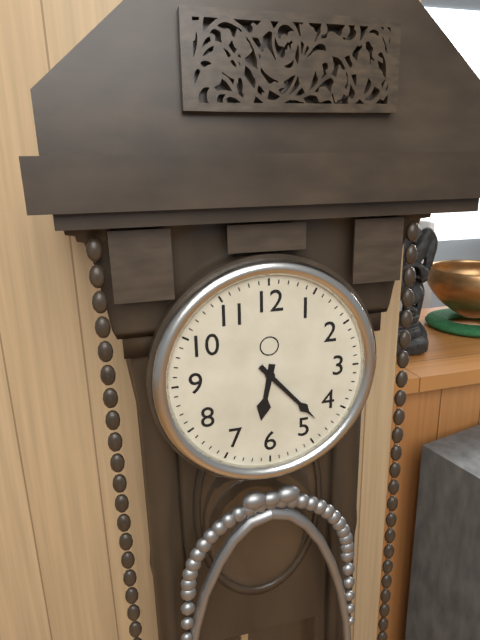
6:23
